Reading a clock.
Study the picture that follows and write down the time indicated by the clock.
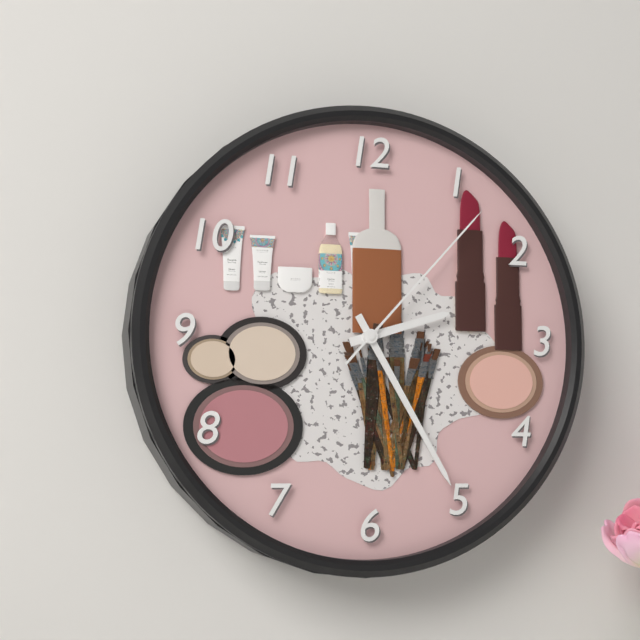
2:25:07
